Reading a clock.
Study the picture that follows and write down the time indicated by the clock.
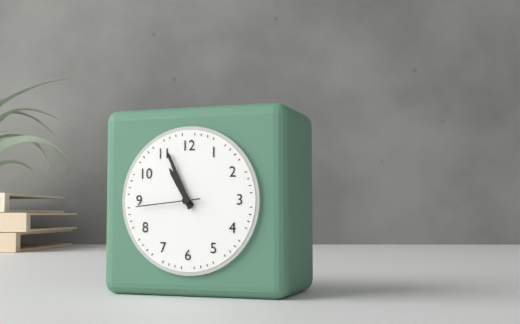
10:56:44
